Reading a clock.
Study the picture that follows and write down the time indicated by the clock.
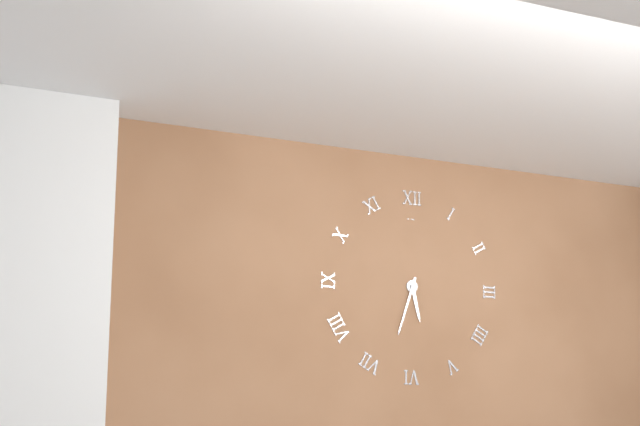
5:33
